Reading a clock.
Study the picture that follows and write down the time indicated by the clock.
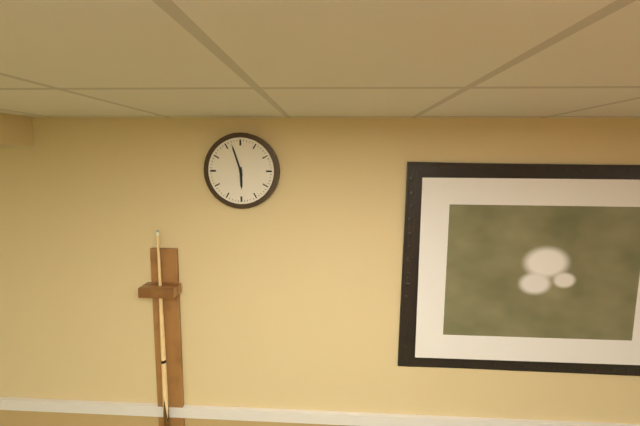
5:57
